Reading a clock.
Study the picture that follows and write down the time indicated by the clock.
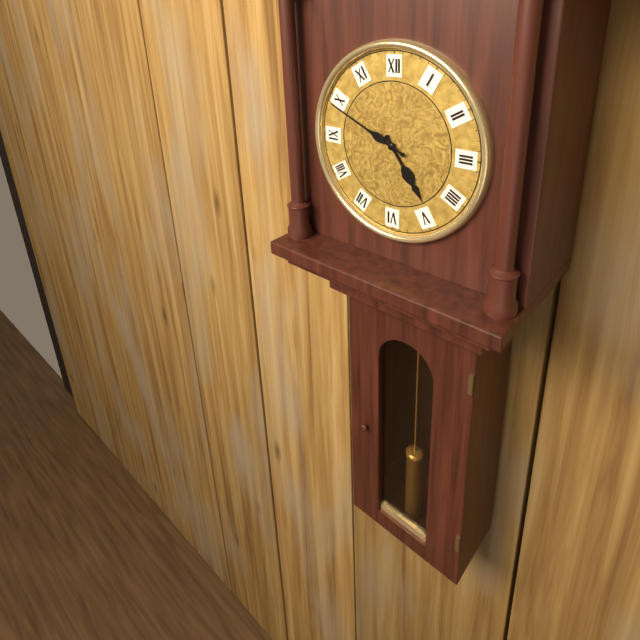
4:49
